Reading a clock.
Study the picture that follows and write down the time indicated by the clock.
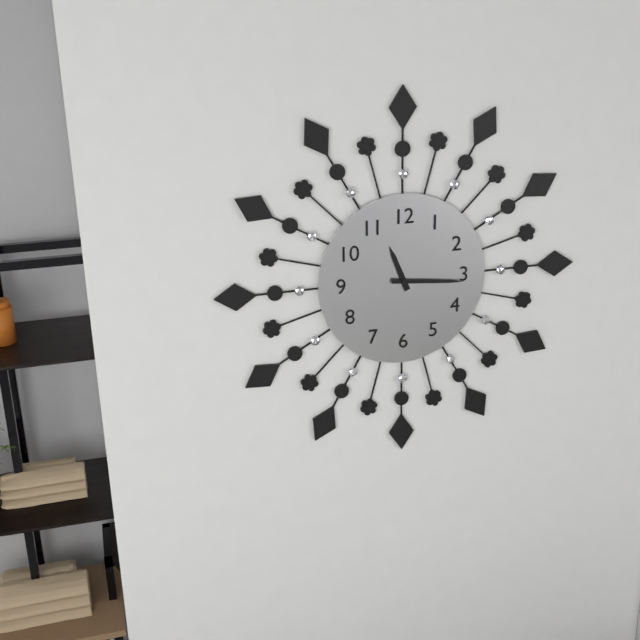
11:16
